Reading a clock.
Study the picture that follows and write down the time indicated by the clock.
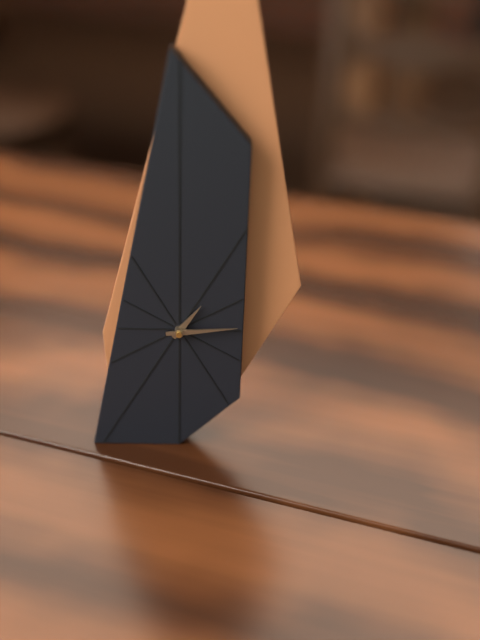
1:14
